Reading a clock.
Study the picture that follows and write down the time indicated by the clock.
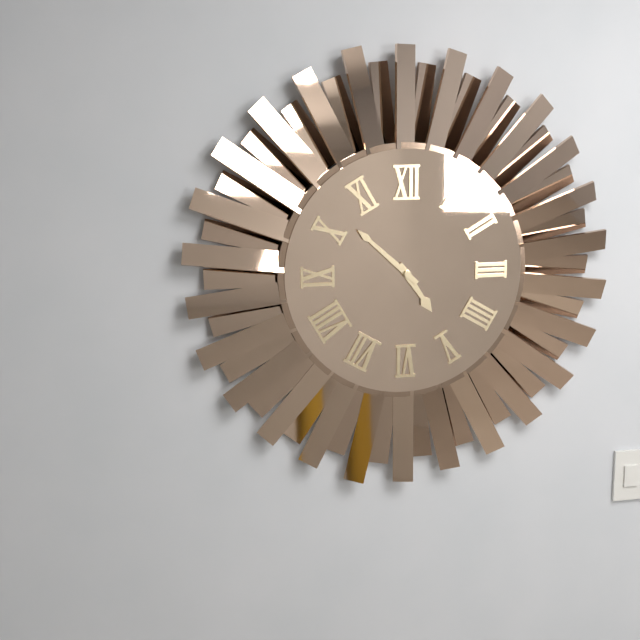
4:52
